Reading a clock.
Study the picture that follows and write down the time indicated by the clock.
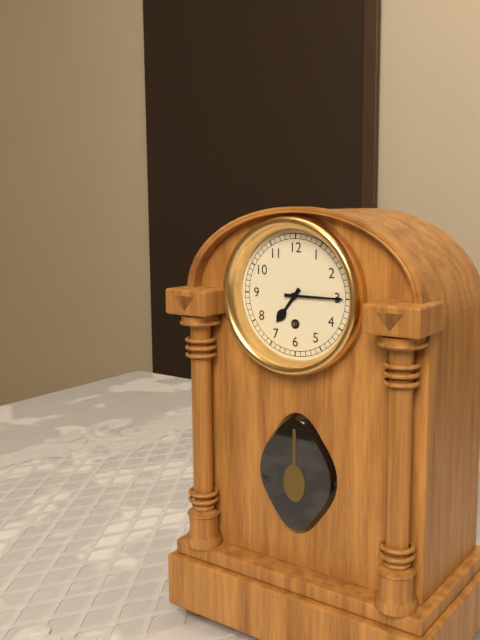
7:15
